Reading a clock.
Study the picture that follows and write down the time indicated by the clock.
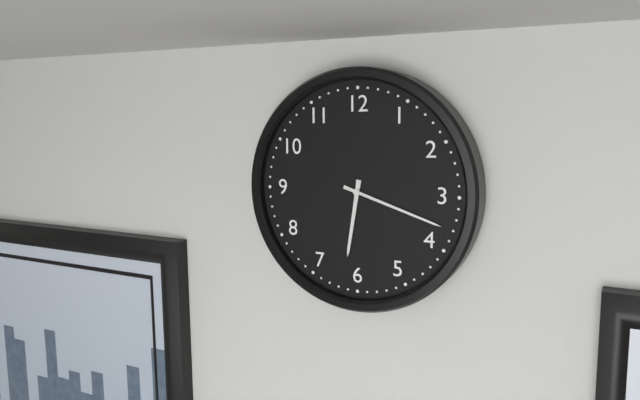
6:18
